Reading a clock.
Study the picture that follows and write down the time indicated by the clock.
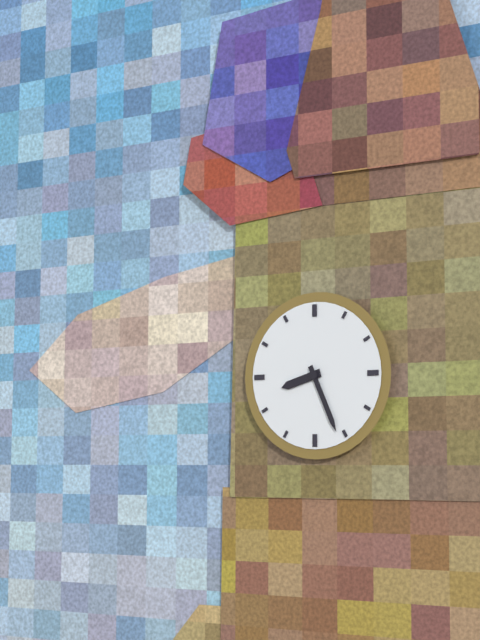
8:26
